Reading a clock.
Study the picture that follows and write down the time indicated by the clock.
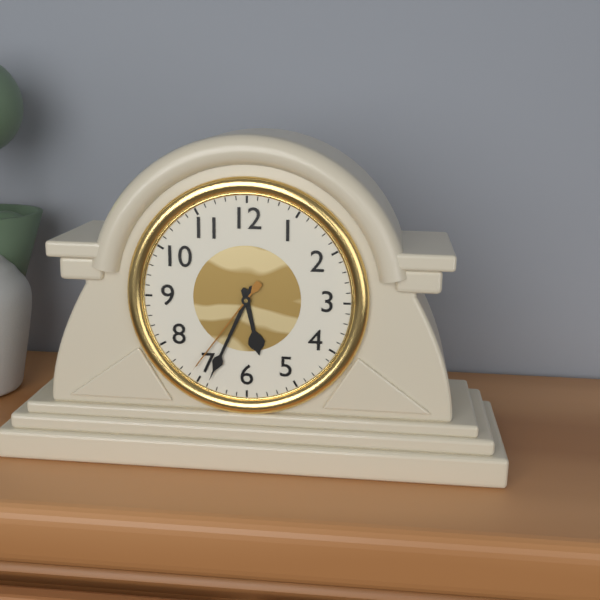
5:34:36
